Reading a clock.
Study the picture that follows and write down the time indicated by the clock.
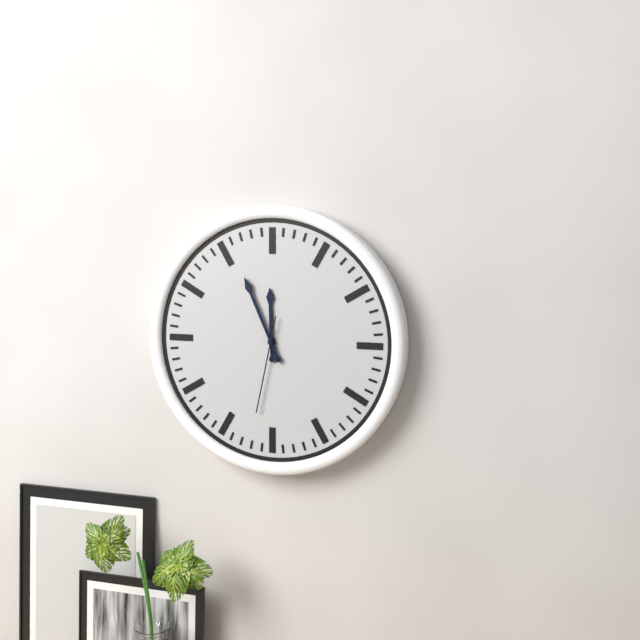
11:56:32
